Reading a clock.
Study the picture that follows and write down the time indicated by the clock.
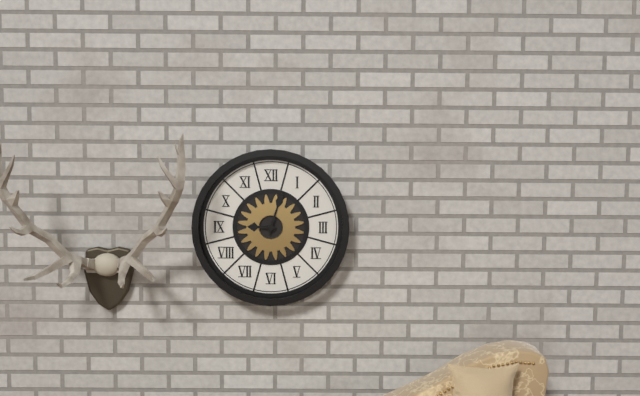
9:03
